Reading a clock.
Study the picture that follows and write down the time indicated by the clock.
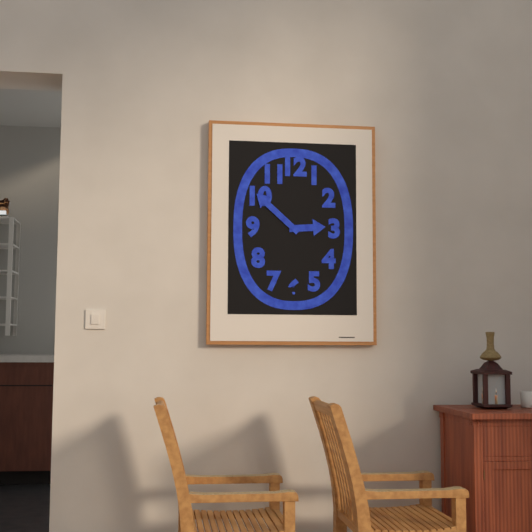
2:52
